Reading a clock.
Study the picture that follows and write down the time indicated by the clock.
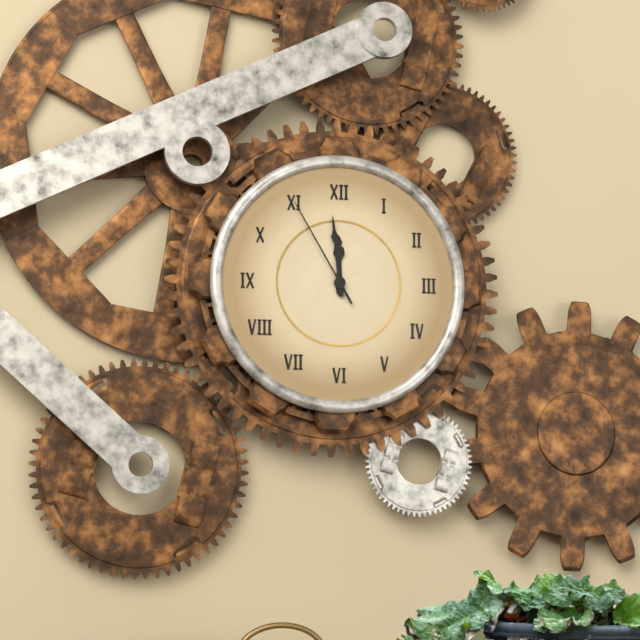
11:59:55
